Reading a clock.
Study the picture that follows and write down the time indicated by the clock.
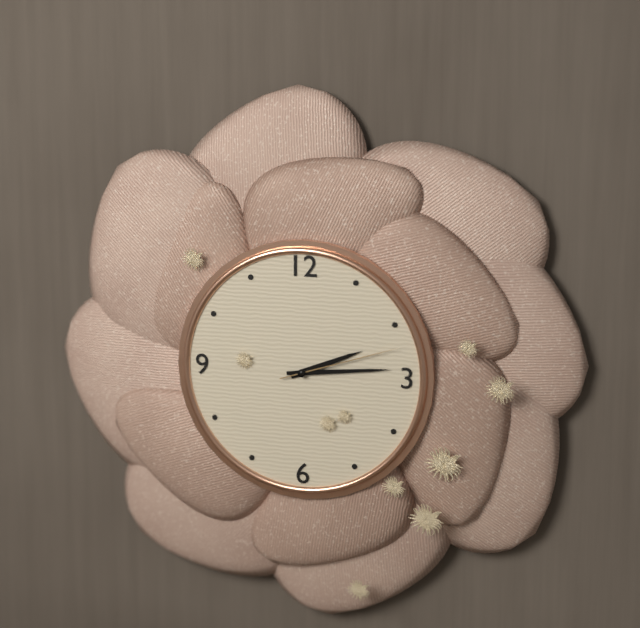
2:14:12
